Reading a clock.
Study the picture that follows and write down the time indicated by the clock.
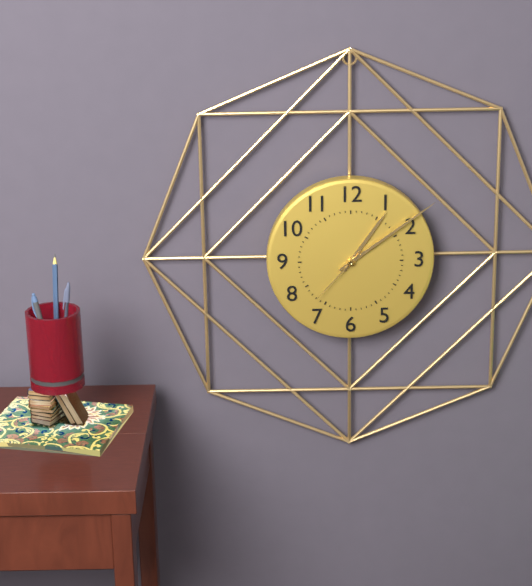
1:09:37
